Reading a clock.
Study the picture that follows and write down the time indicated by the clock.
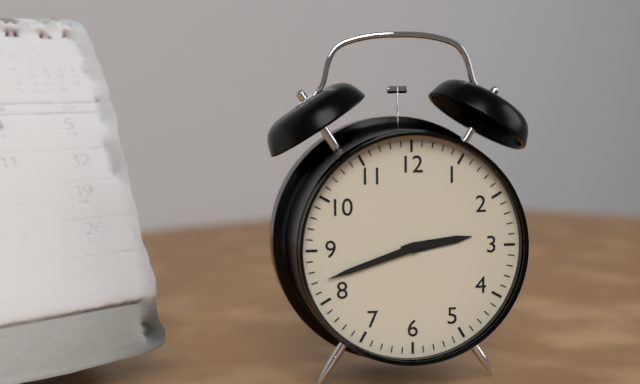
2:42
